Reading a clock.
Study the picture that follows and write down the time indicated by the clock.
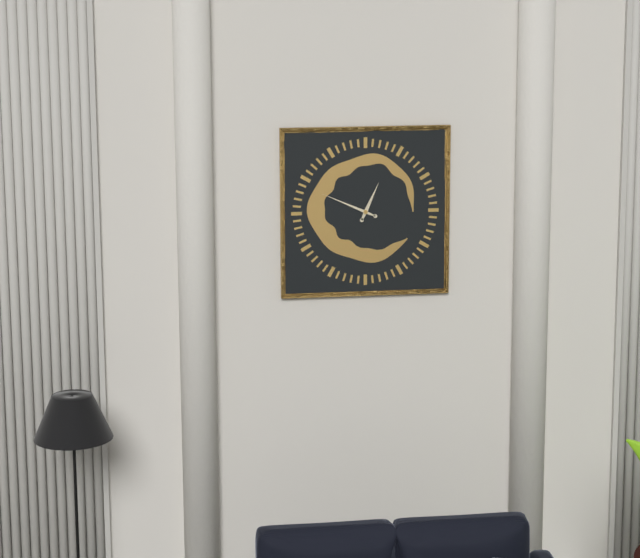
12:49
